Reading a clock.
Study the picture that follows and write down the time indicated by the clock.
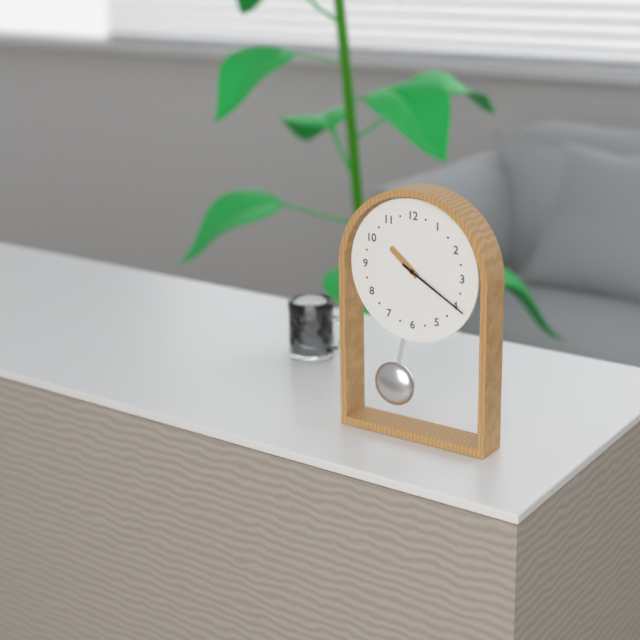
10:20
